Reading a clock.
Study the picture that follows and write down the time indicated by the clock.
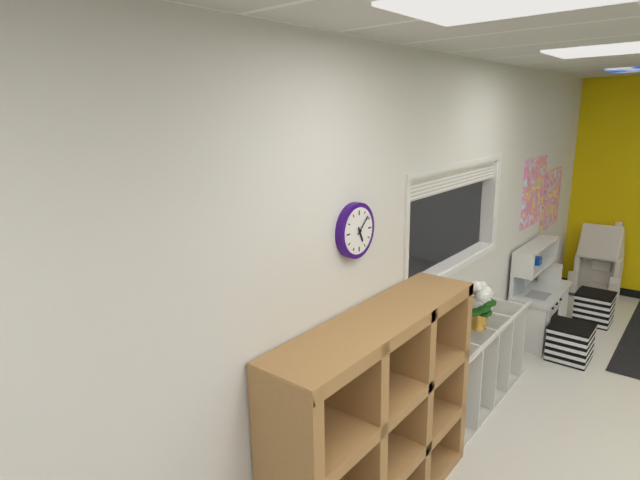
5:08
